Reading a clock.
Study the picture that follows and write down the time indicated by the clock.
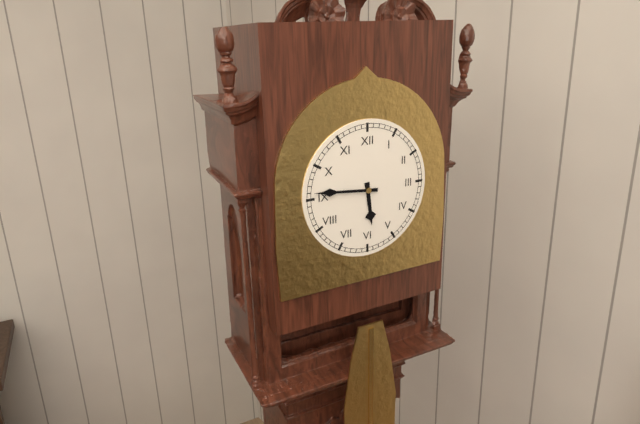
5:46
